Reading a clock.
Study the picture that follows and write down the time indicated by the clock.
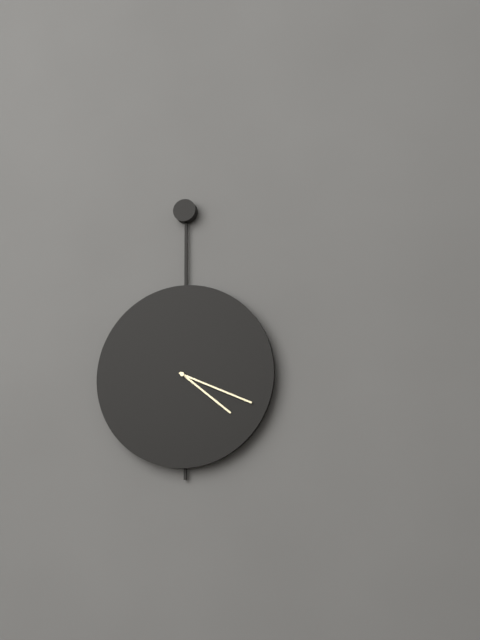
4:19
